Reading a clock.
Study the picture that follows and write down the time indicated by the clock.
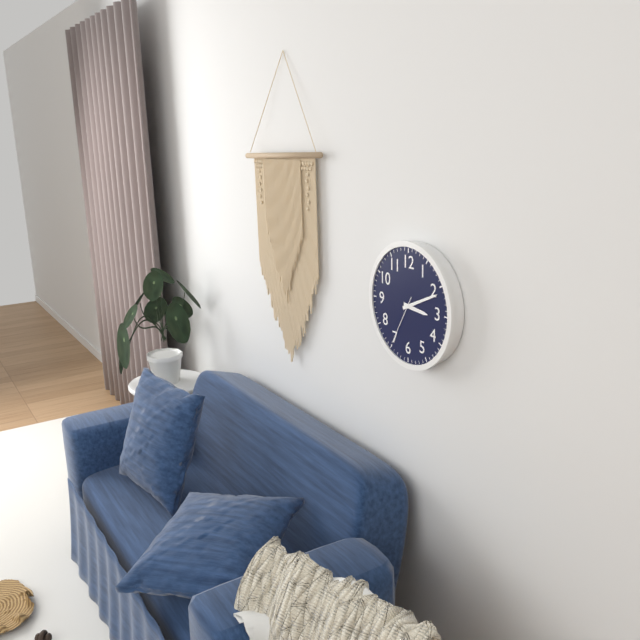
3:11:35
